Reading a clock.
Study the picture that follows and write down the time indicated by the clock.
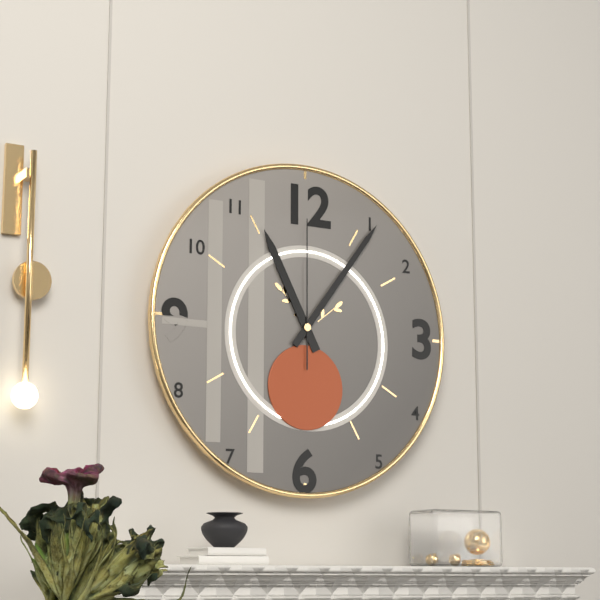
11:06:00
